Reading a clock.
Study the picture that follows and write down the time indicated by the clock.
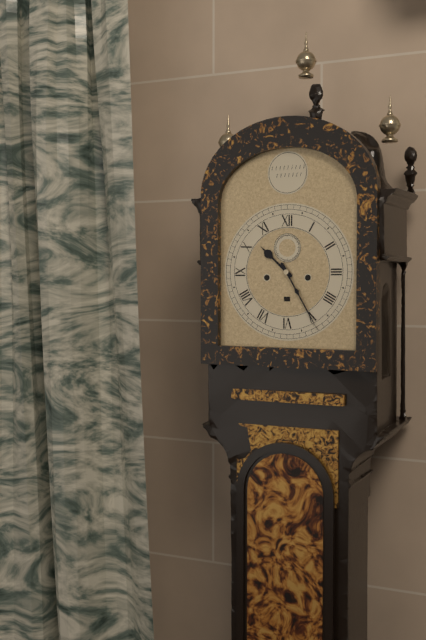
10:25
